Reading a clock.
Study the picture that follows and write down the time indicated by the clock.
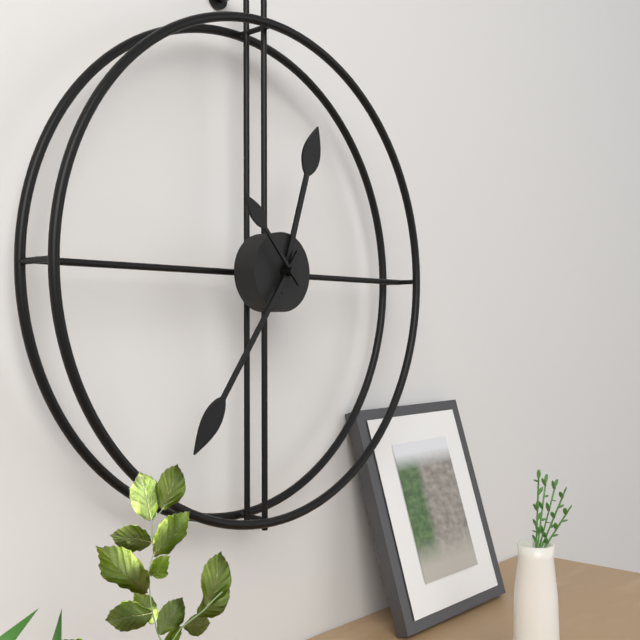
12:36:53
